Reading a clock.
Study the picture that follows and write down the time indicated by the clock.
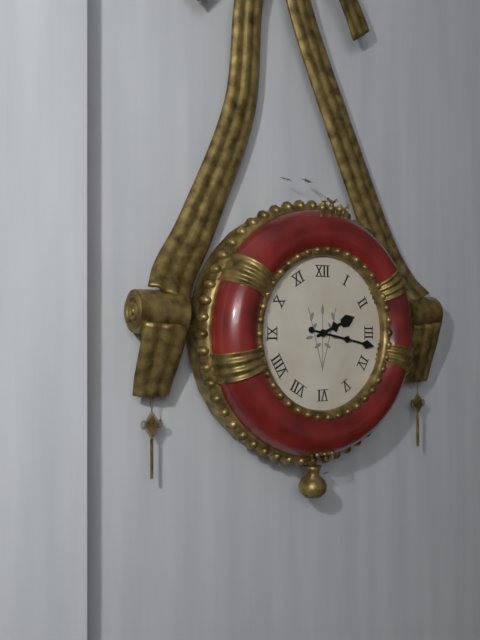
2:17
